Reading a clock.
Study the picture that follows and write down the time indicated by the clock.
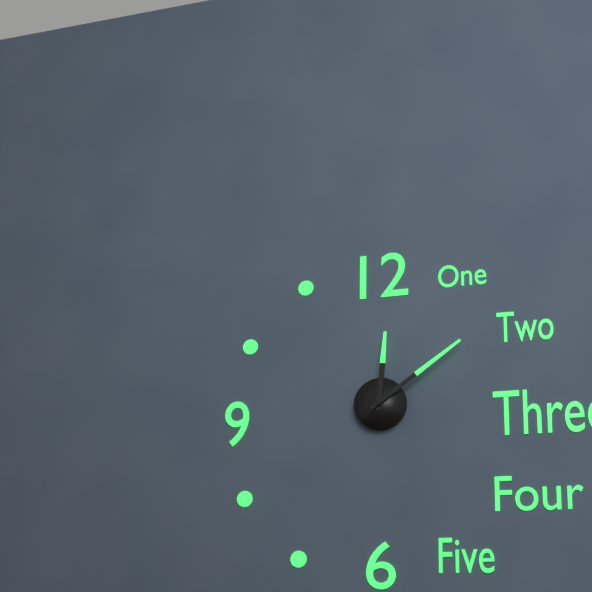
12:09
